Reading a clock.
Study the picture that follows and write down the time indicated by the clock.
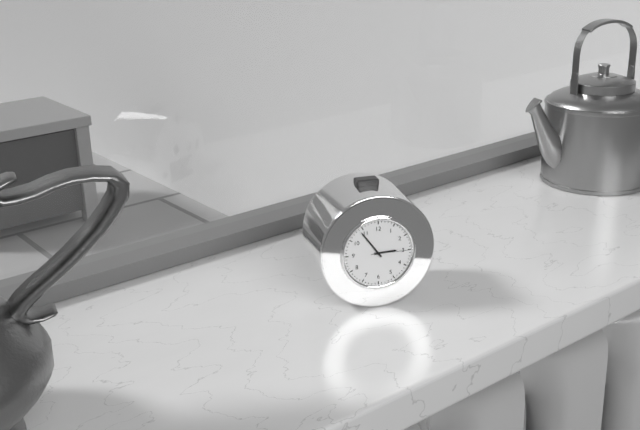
2:54
